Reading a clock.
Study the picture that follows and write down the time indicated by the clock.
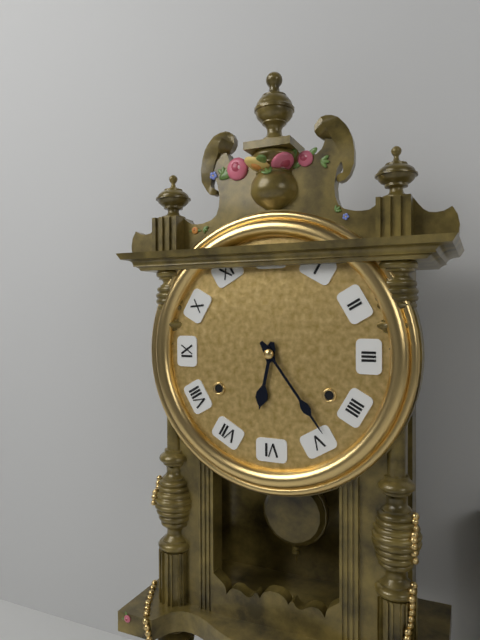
6:24
